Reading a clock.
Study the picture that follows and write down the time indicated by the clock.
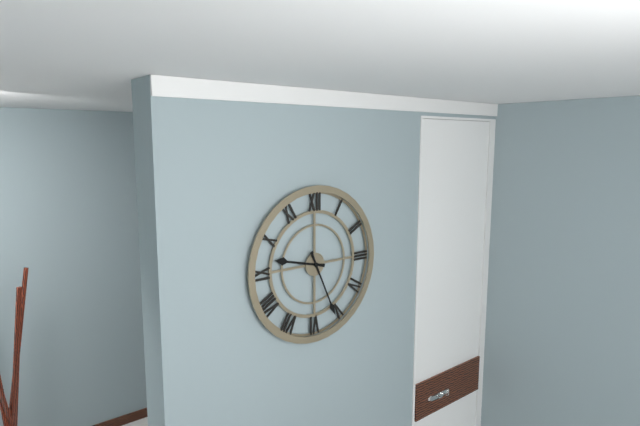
9:26
